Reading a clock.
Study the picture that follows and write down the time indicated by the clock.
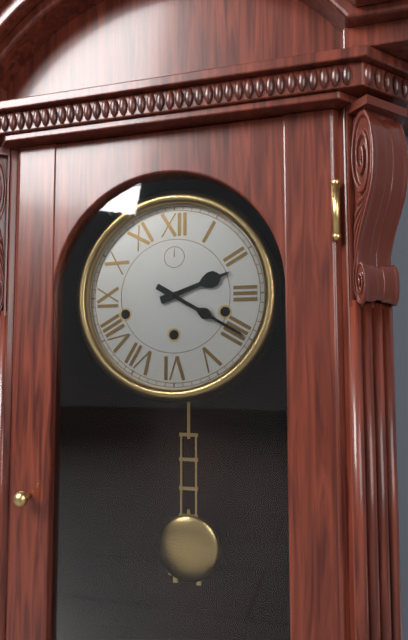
2:20
